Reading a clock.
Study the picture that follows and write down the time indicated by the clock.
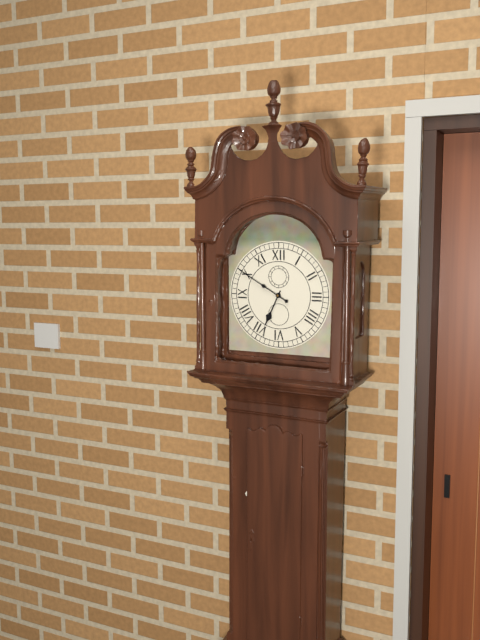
6:50
